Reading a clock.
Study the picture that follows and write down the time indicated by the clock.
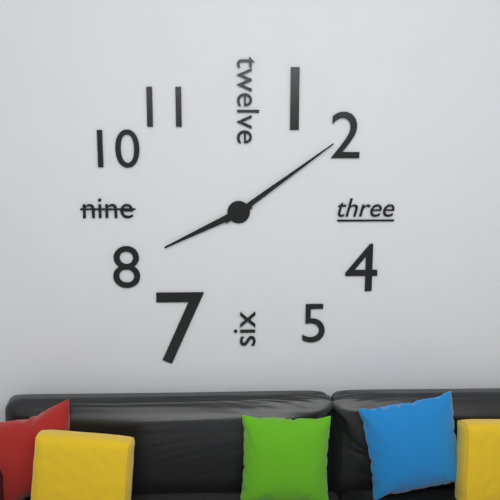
8:09
